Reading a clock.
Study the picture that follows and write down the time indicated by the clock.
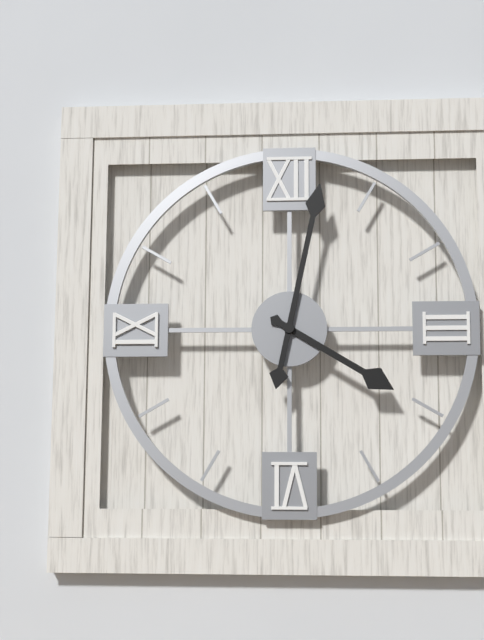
4:02
